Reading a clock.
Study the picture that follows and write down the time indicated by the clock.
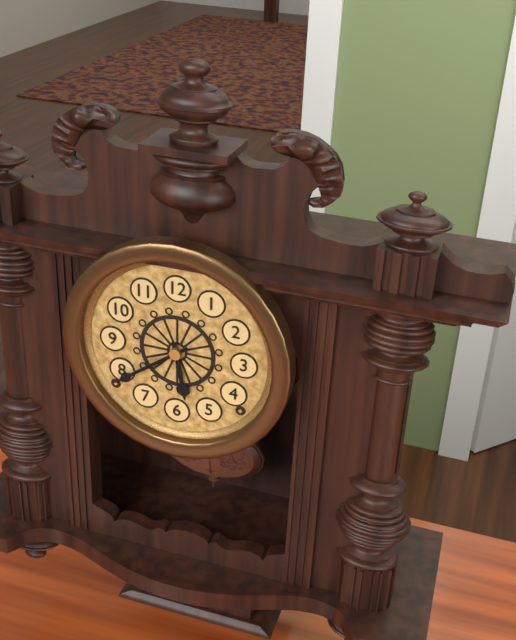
5:39
